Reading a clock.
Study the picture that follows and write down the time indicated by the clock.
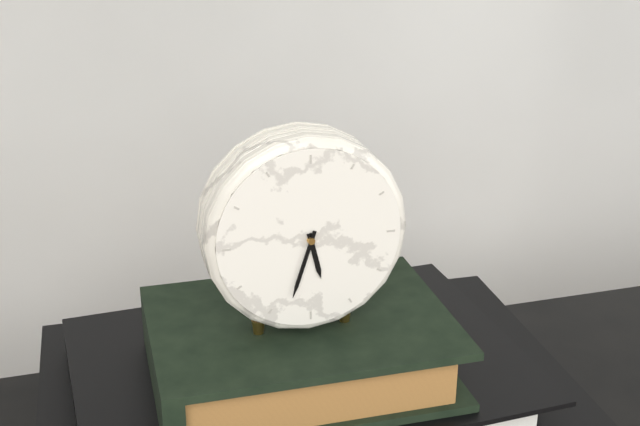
5:33
